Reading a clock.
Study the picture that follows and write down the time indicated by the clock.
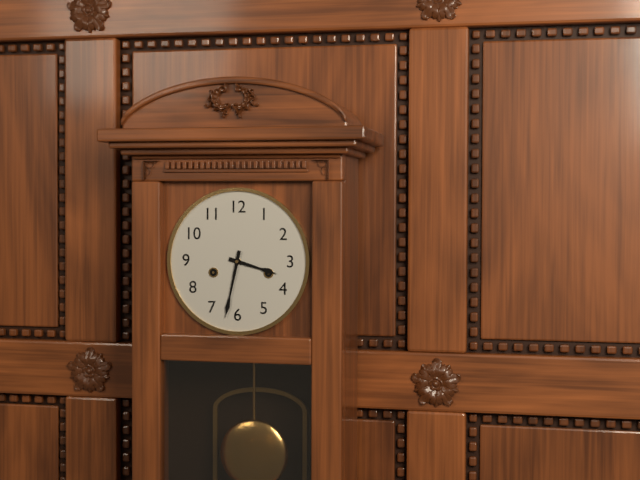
3:32
